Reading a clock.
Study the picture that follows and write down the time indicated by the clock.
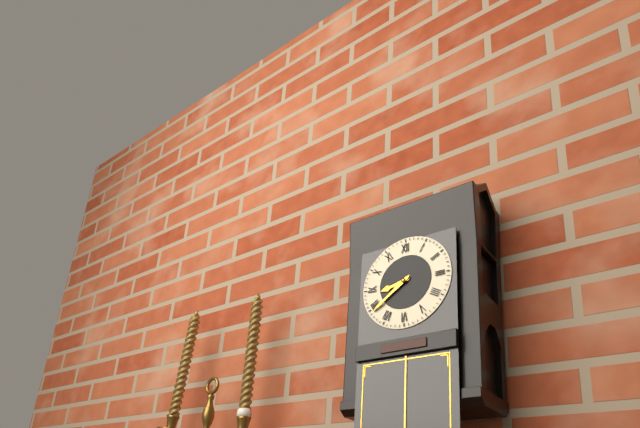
8:39
